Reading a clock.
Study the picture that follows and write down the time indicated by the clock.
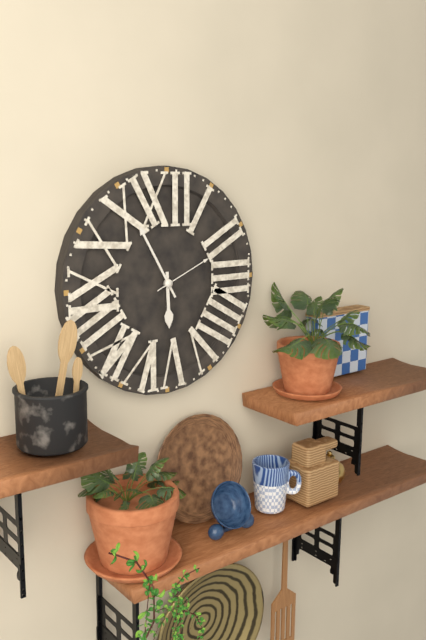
5:55:11
